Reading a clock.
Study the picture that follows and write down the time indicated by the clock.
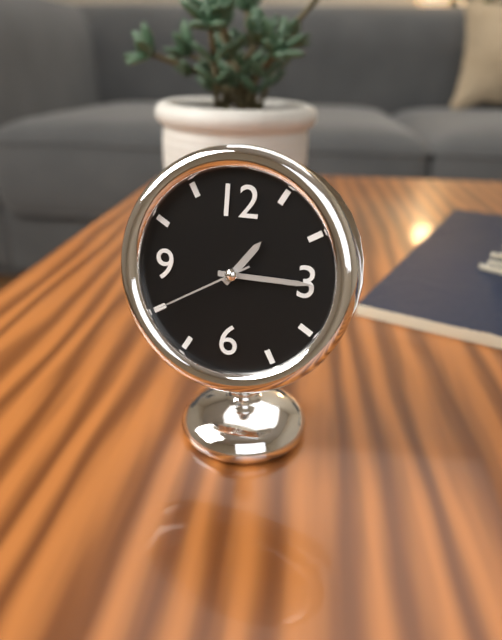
1:15:40
